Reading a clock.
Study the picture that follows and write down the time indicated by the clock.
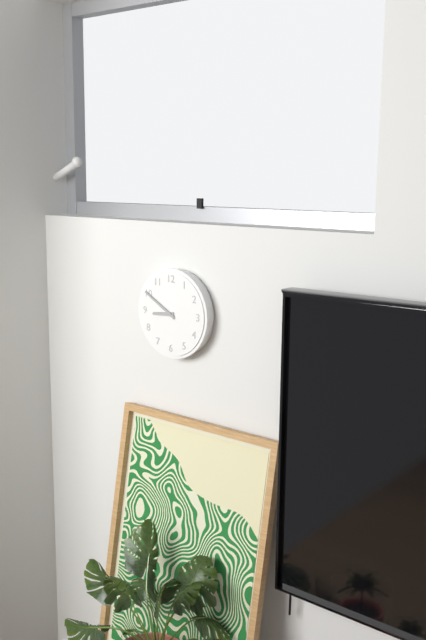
8:50
